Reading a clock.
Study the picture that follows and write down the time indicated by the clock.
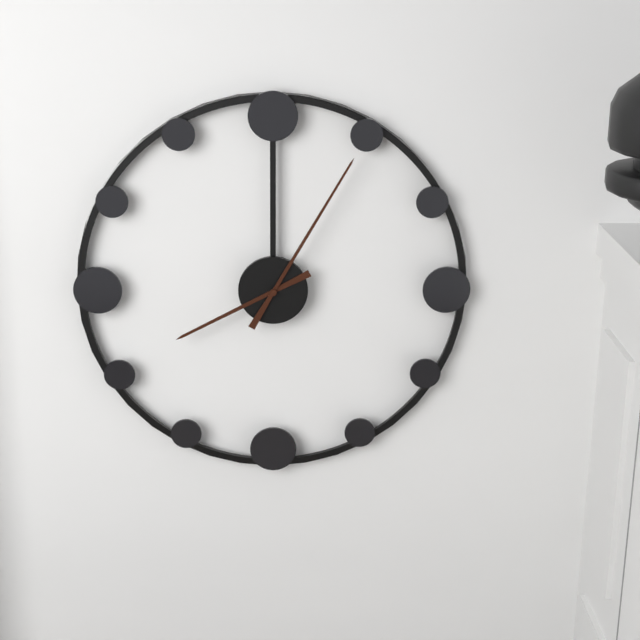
8:05
